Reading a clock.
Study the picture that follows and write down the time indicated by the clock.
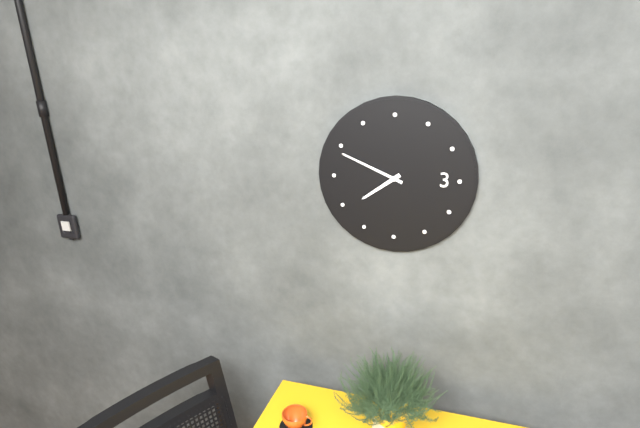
7:49
